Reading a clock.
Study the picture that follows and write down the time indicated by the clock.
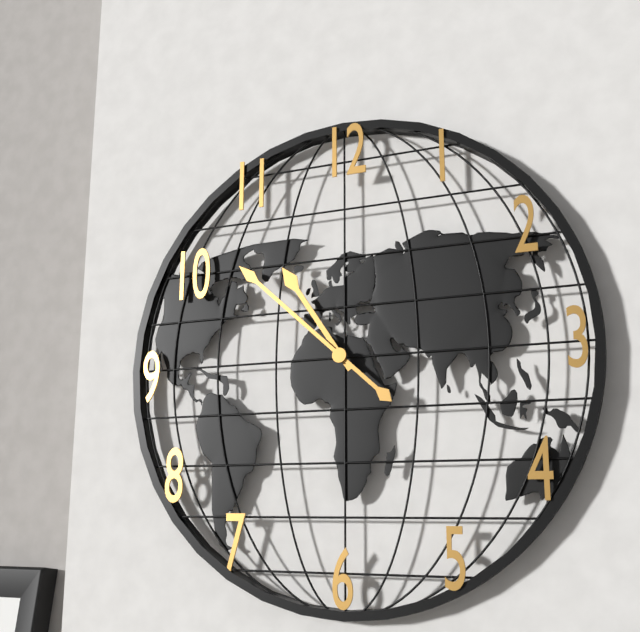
10:52
